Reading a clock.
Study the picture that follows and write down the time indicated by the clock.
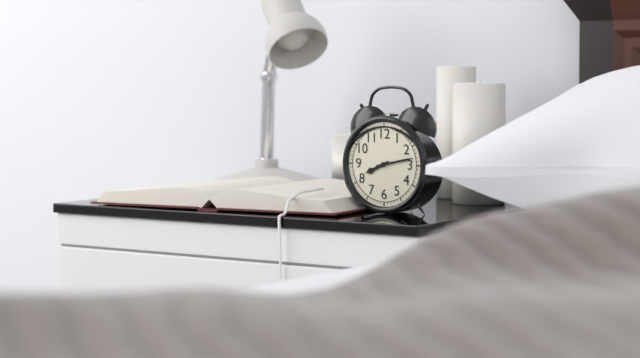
8:13
